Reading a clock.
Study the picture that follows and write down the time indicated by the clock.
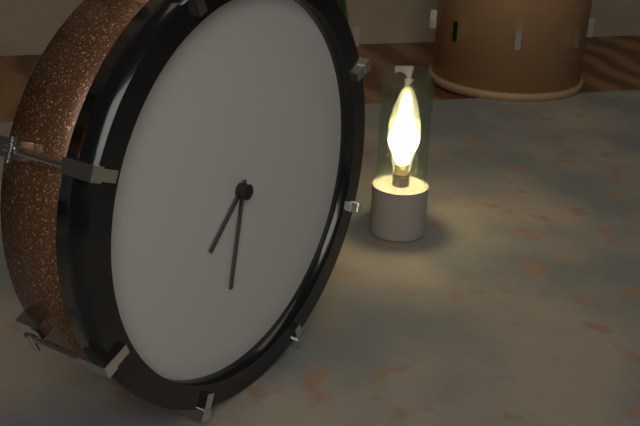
7:32
